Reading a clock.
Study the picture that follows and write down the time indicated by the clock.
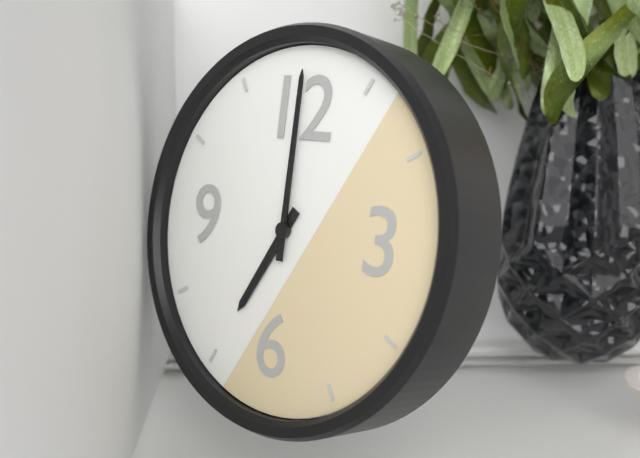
7:00
